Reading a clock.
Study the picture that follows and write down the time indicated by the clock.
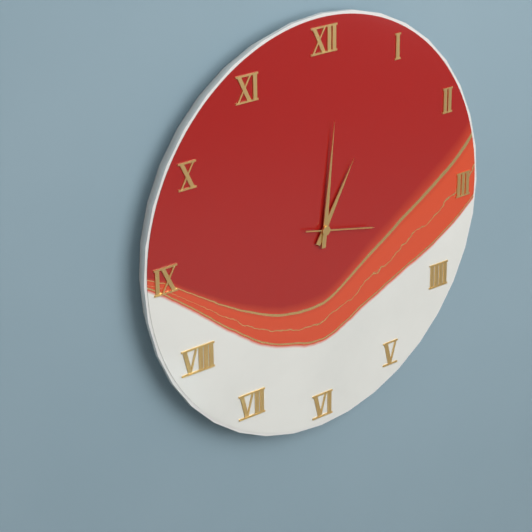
1:01:17
